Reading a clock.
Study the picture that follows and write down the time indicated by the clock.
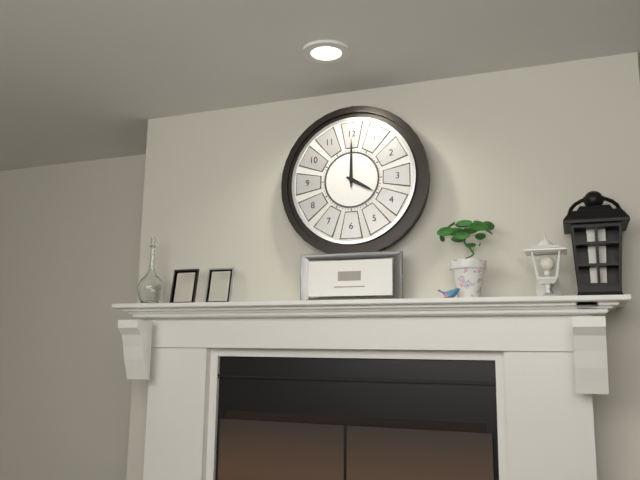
4:00
